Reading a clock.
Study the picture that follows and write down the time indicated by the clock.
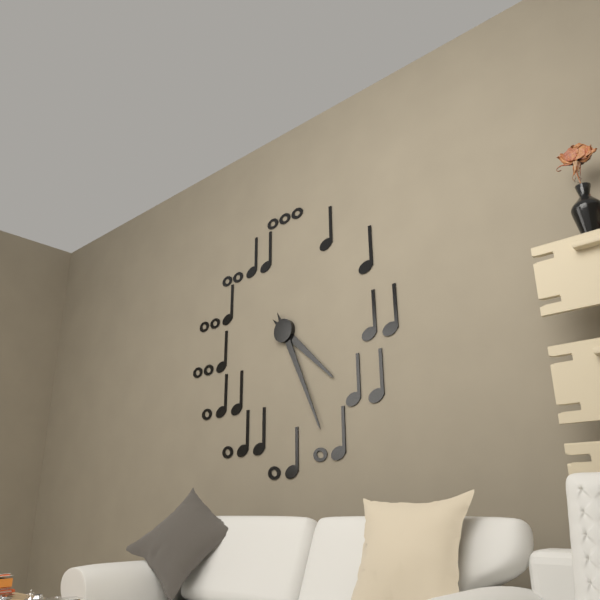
4:26
